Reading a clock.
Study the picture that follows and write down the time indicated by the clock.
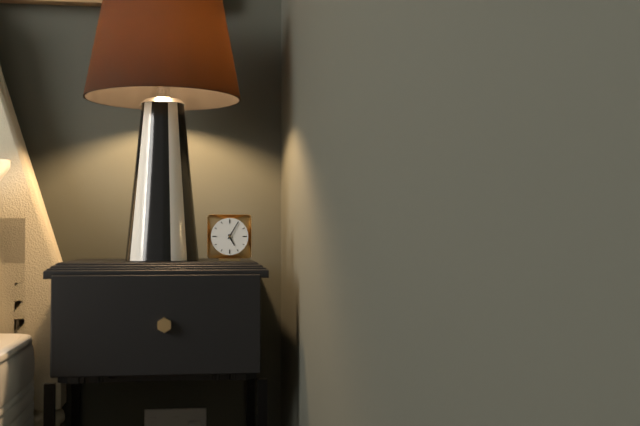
5:05
